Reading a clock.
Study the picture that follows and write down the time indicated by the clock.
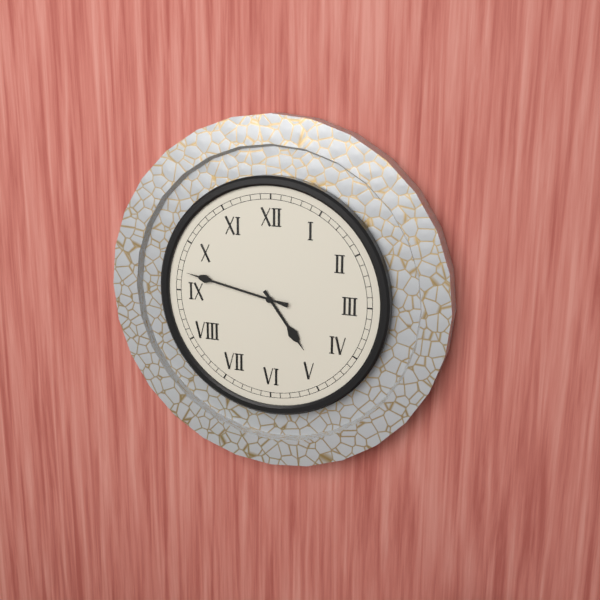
4:47
